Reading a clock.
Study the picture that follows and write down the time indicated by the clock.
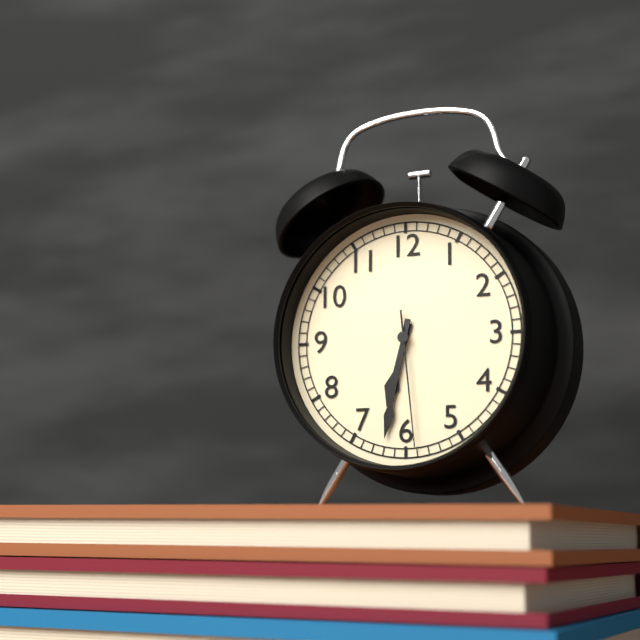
6:32:29
